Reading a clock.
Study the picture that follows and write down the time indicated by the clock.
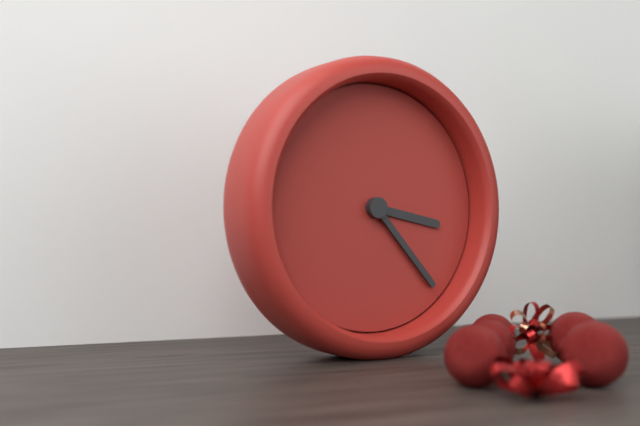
3:23
